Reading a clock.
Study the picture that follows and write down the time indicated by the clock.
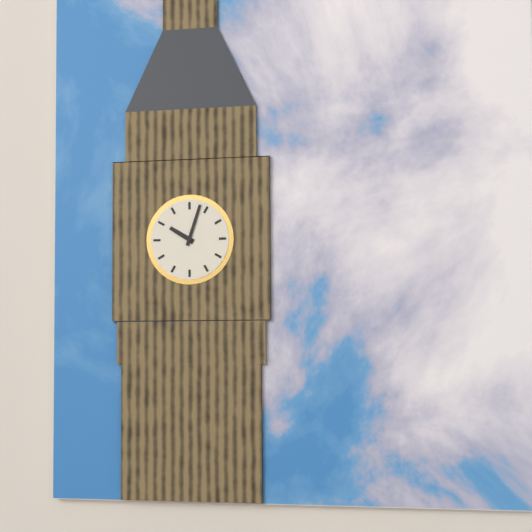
10:03
